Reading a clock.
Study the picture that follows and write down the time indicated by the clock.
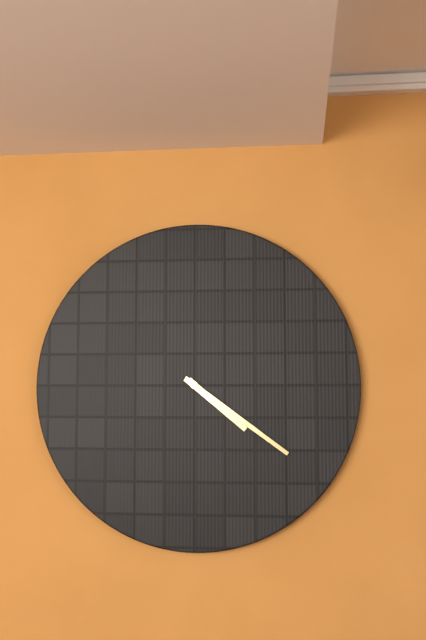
4:21
